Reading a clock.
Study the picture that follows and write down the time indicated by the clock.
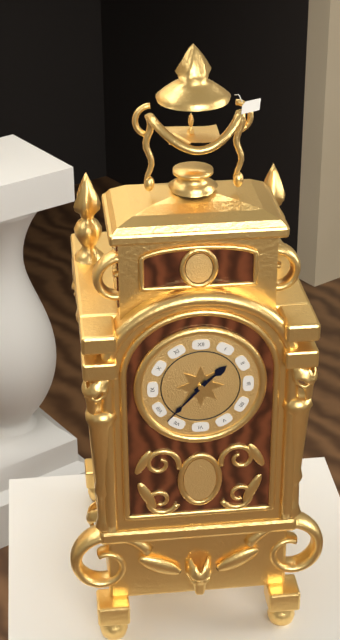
1:37
